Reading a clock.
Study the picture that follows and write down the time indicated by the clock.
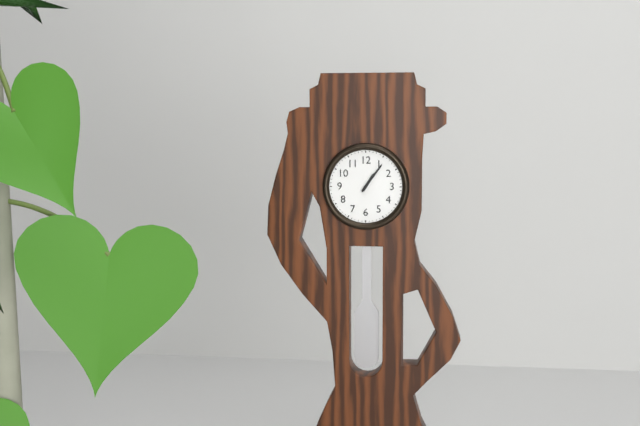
1:06
